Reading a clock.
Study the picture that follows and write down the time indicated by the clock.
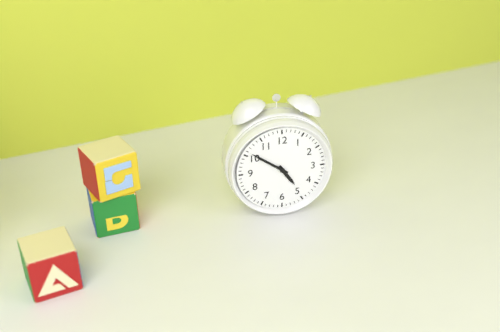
4:51
